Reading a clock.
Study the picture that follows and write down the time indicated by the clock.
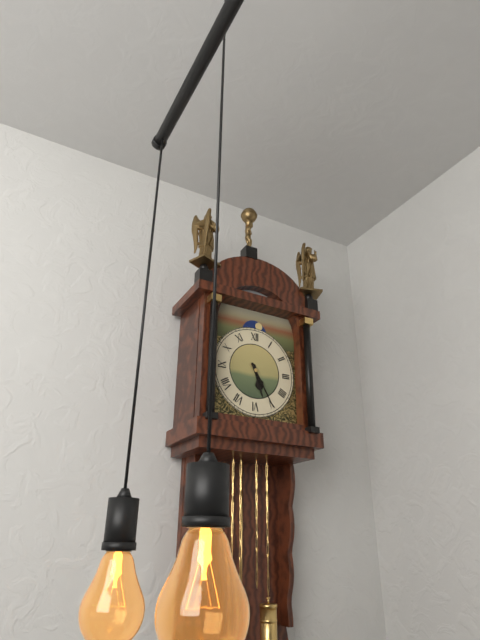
5:25
